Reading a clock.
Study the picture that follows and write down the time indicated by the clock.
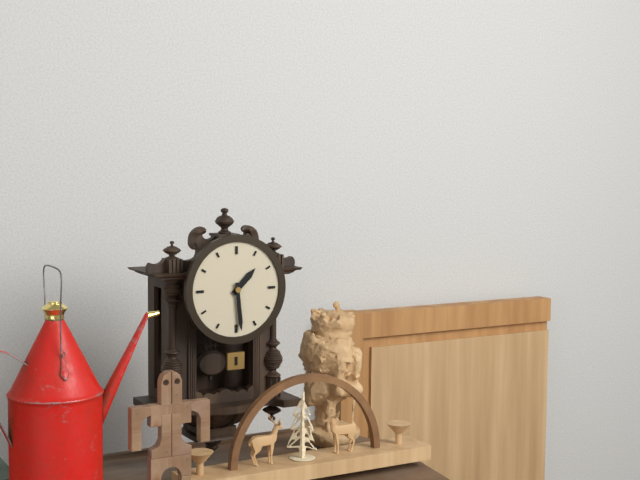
1:29
